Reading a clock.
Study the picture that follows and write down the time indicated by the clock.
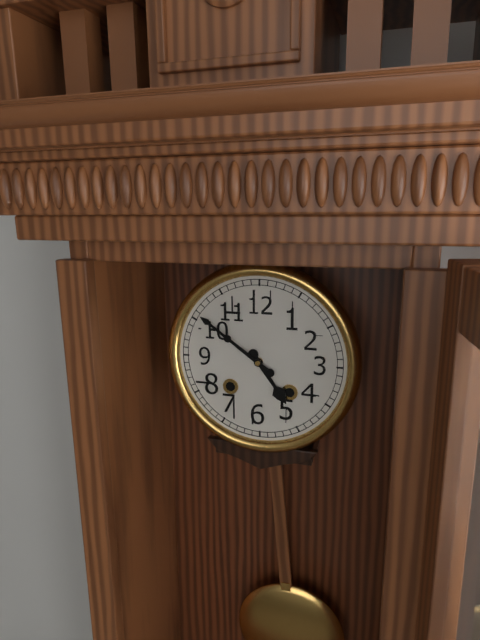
4:51
